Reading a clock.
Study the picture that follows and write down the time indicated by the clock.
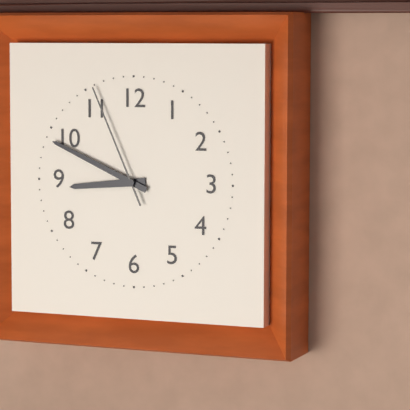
8:49:56
